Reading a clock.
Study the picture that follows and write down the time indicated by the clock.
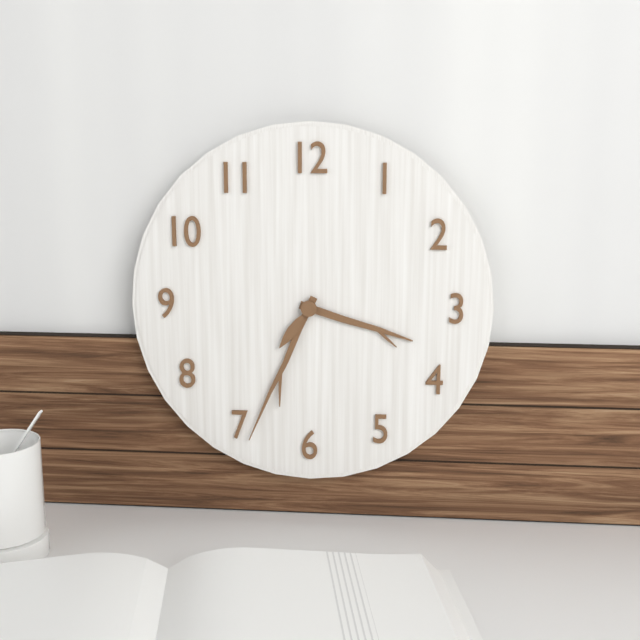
3:34:36
